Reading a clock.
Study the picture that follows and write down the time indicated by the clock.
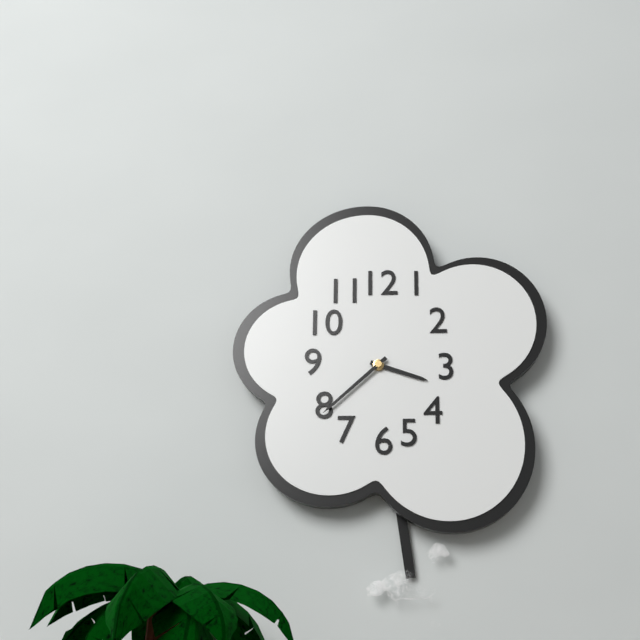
3:38
